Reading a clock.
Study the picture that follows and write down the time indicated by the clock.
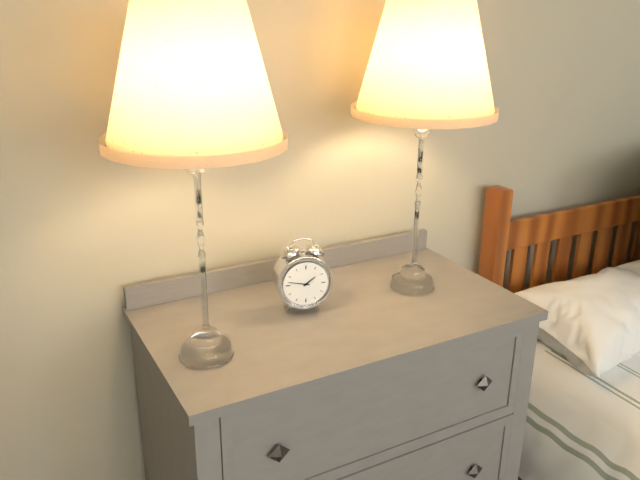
1:47
